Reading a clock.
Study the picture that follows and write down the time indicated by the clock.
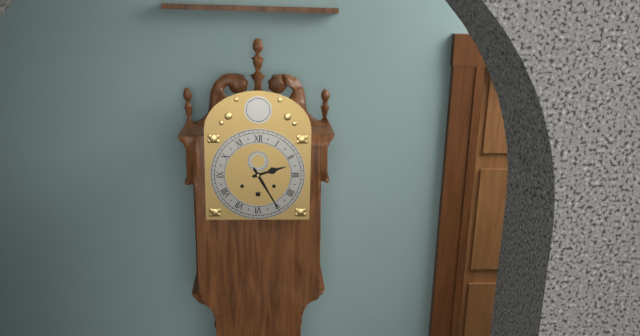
2:25
